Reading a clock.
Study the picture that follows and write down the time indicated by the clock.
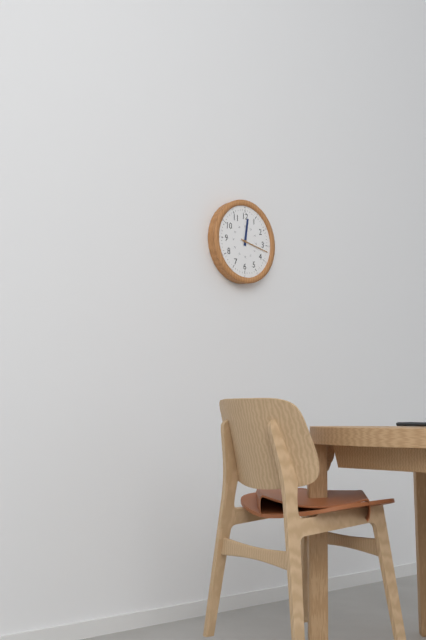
12:17
